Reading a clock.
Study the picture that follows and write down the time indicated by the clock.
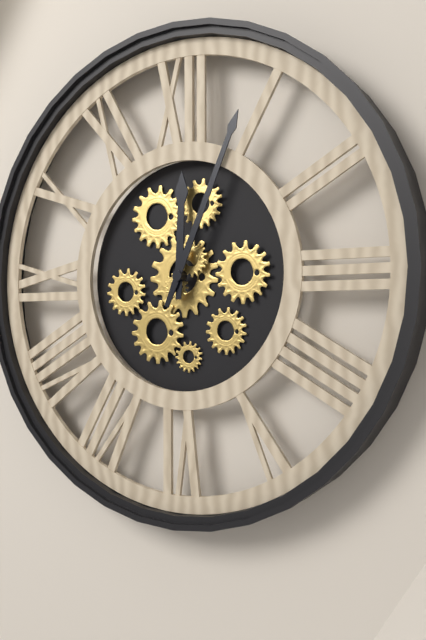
12:04
